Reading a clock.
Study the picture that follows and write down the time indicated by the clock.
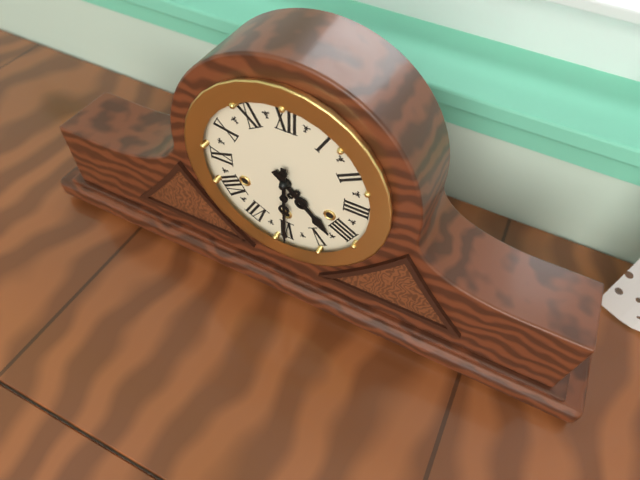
4:30
